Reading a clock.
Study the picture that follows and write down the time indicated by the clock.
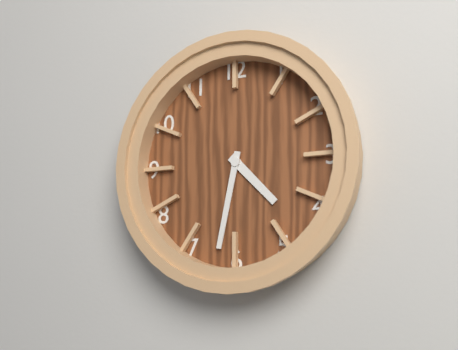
4:32
